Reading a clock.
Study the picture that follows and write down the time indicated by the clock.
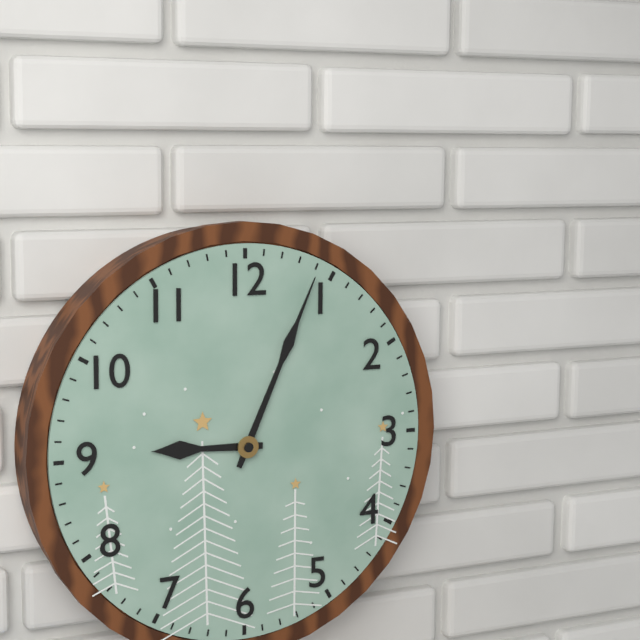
9:04
